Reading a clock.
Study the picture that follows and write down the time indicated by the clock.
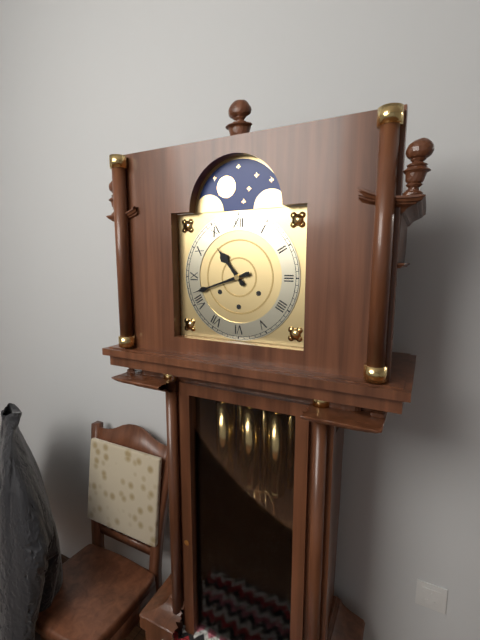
10:42
